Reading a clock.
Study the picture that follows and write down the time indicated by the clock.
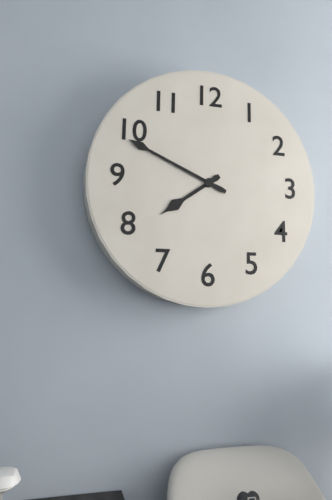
7:49
